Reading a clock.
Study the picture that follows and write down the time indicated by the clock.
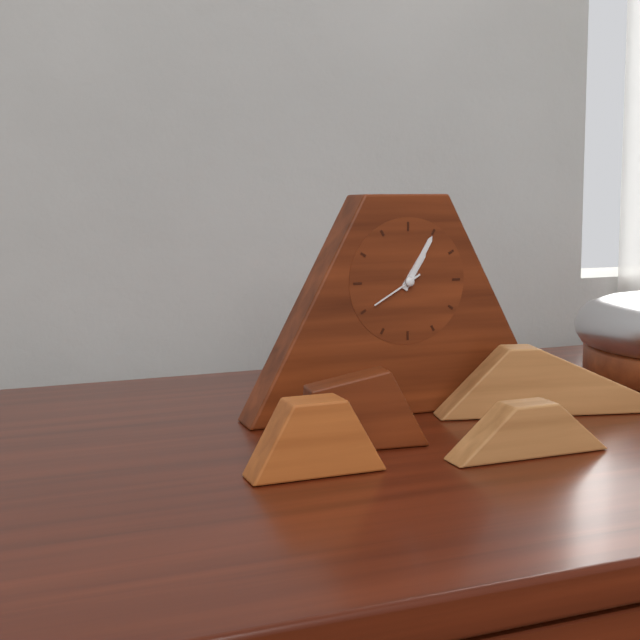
1:05:40
